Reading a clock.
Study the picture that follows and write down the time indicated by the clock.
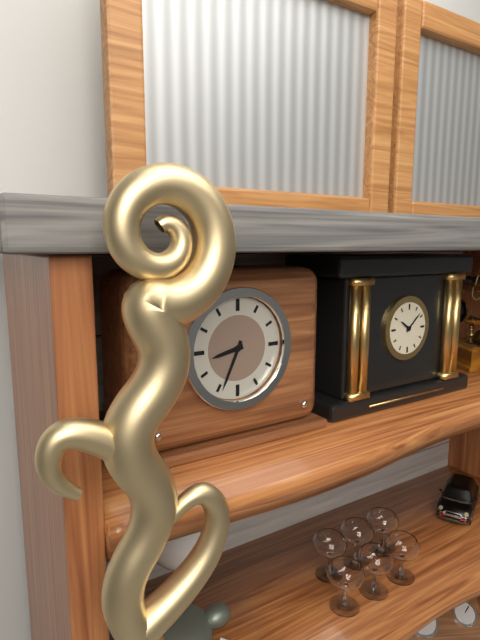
8:34
